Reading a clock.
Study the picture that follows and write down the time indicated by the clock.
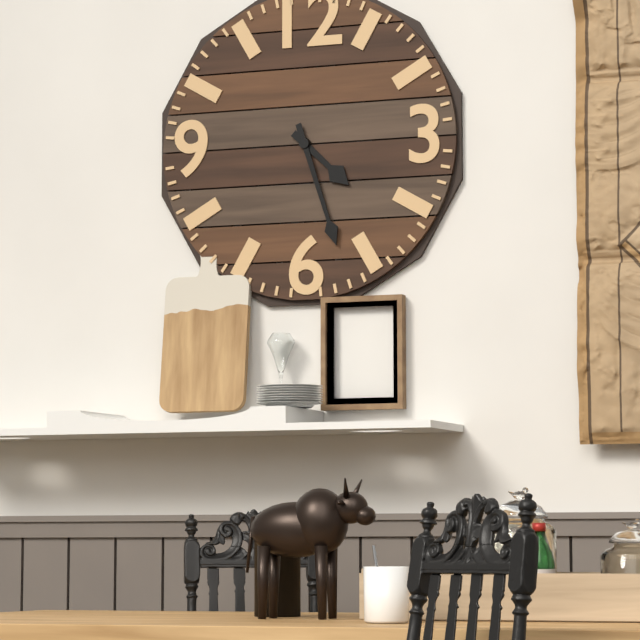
4:27
